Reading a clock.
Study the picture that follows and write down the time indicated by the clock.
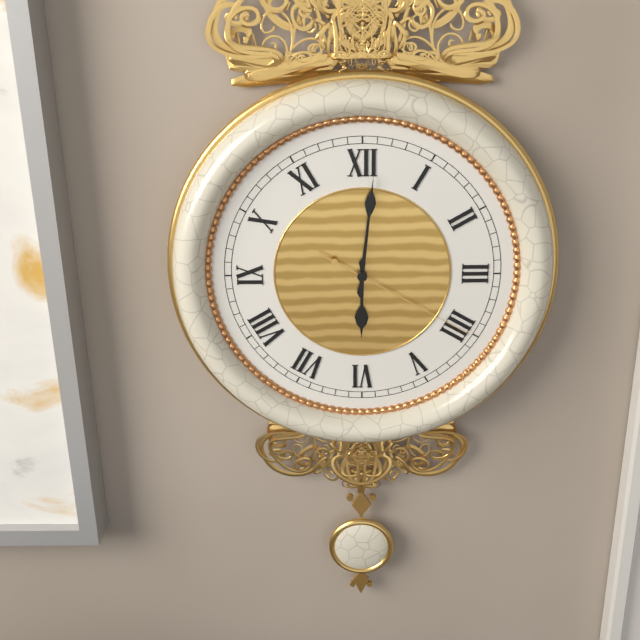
6:01:20
